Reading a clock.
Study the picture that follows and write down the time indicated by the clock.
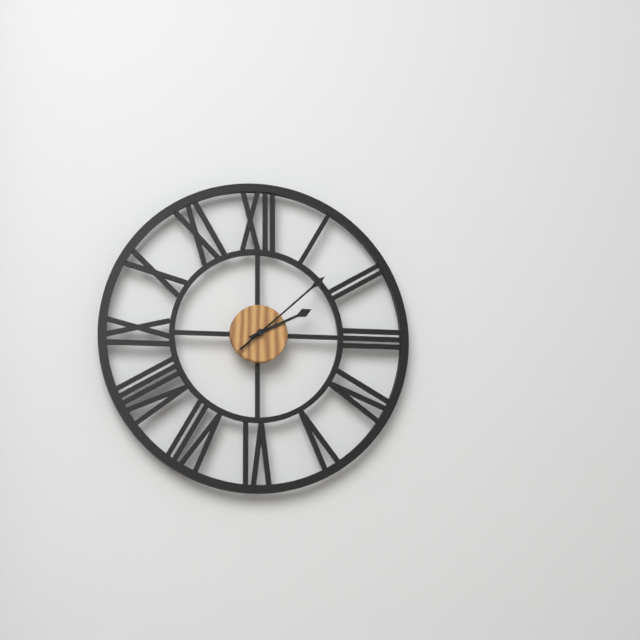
2:08
